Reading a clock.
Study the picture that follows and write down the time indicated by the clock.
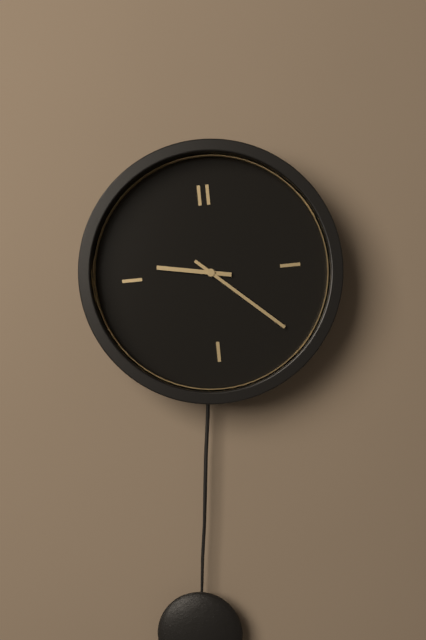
9:22
